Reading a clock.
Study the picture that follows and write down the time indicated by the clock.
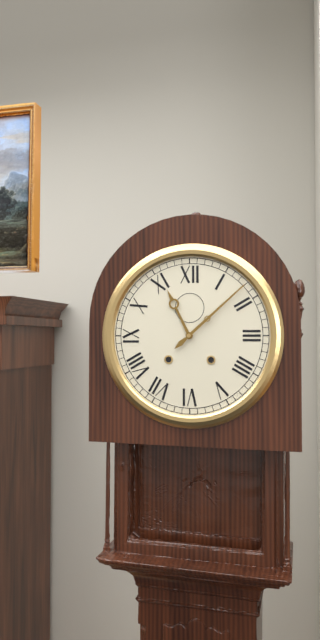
11:08
